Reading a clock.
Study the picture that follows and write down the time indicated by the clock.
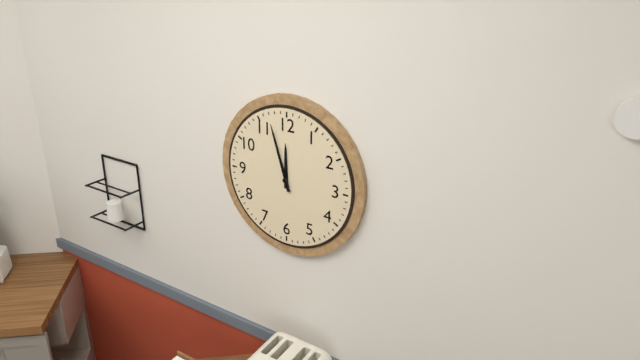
11:57
